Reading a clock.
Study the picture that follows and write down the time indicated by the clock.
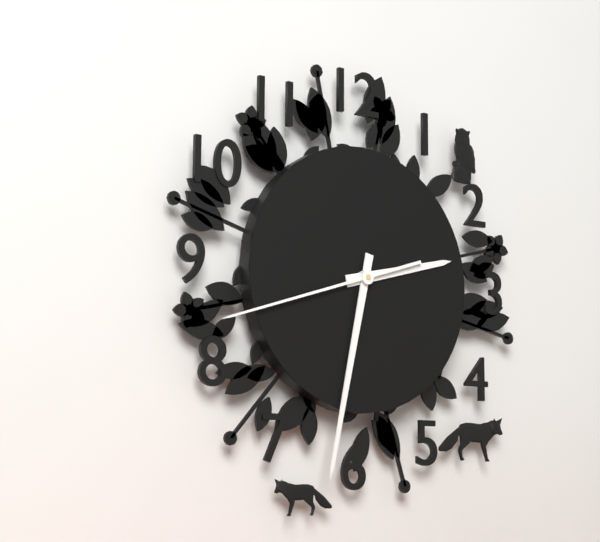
2:32:42
